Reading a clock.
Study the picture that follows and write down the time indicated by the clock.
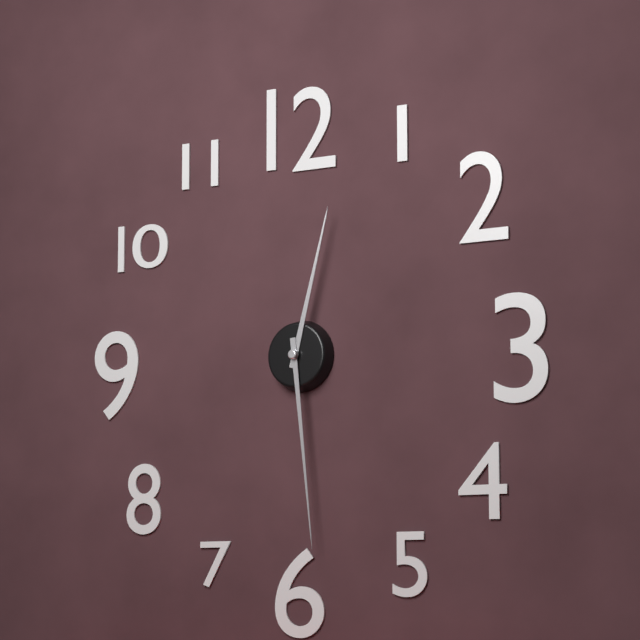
12:29
